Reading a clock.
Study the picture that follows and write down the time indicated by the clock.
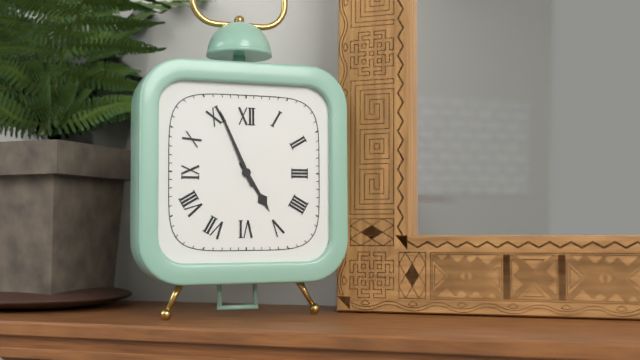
4:56
